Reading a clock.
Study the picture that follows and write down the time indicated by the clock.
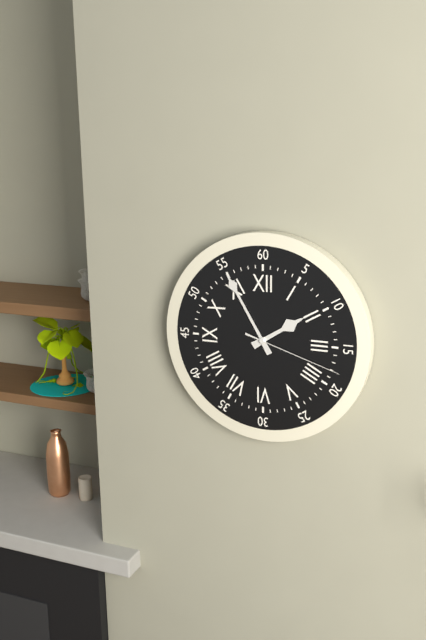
1:55:18
